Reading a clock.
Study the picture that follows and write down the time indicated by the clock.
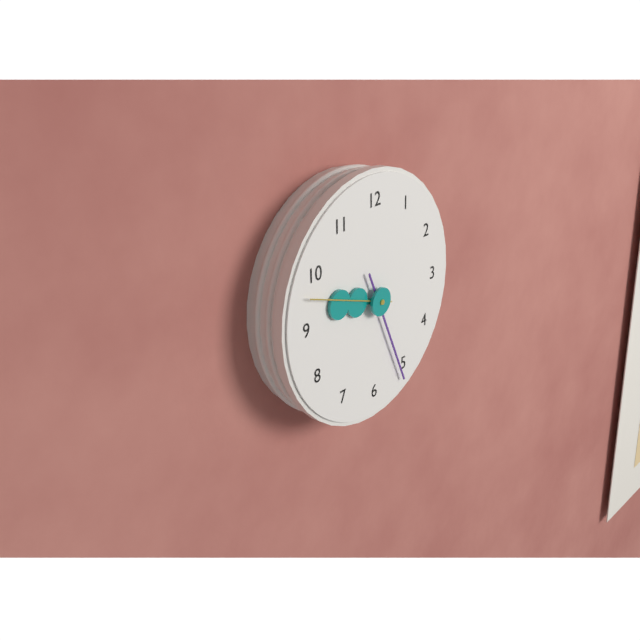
9:26:48
